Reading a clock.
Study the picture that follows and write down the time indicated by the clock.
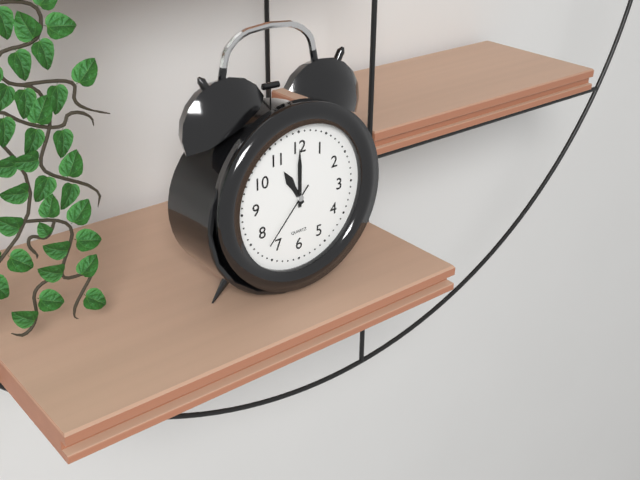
11:00:37
